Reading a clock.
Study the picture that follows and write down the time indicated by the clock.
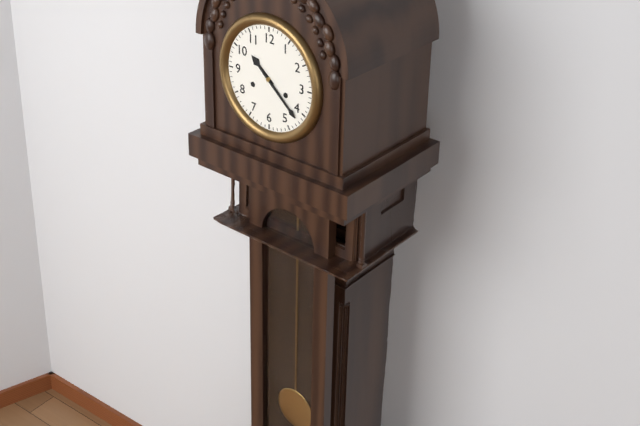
10:22
